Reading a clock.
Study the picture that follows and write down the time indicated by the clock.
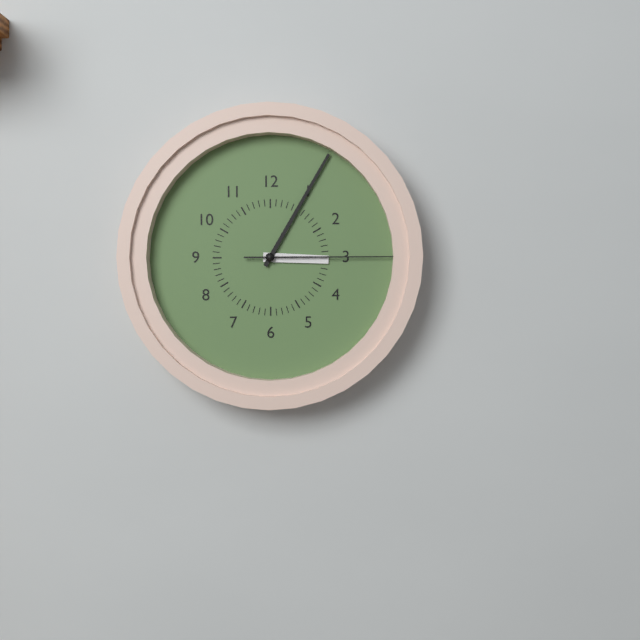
3:05:15
